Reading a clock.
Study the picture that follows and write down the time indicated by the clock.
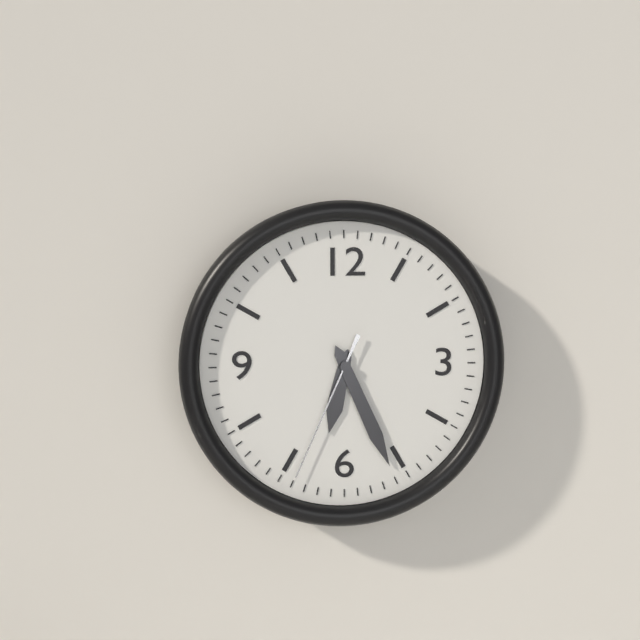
6:26:34
